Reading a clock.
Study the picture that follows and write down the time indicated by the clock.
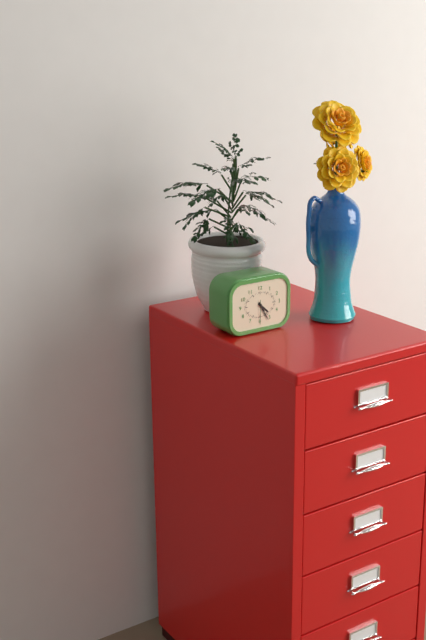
4:25
